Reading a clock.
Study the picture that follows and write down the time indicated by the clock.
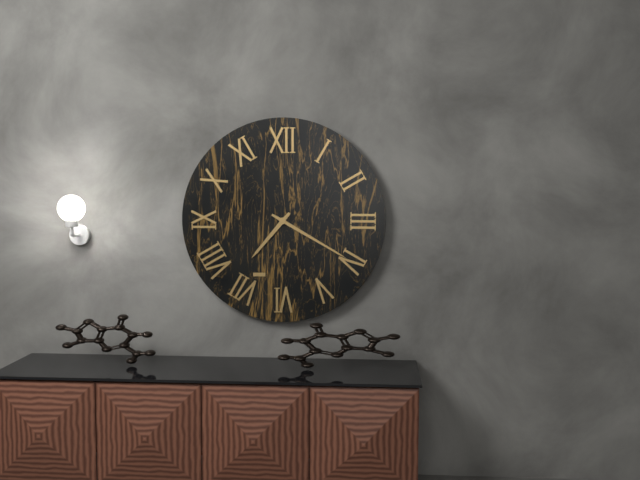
7:20
